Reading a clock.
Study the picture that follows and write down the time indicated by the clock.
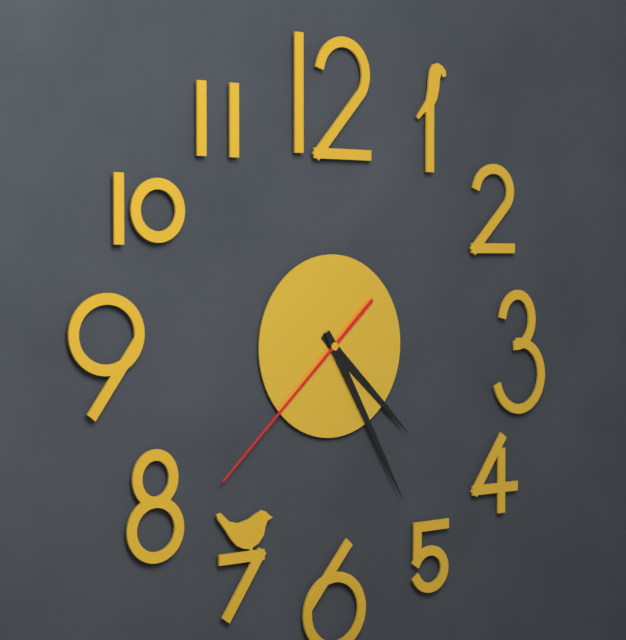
4:25:38
